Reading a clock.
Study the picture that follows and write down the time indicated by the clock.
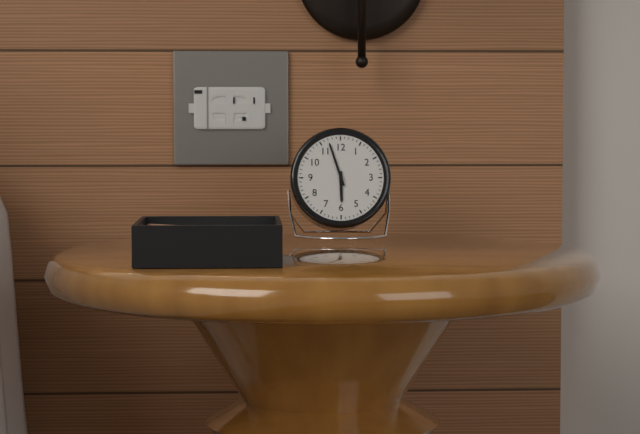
5:57
